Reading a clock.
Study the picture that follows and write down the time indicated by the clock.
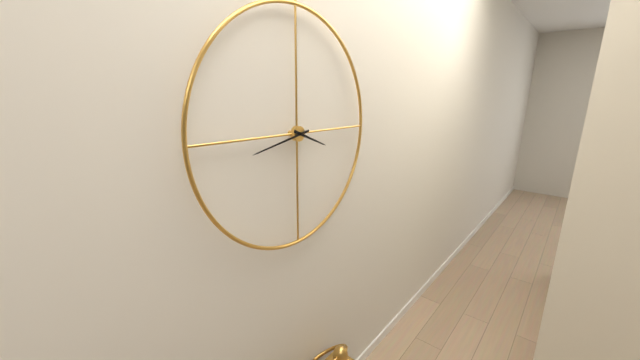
3:43
